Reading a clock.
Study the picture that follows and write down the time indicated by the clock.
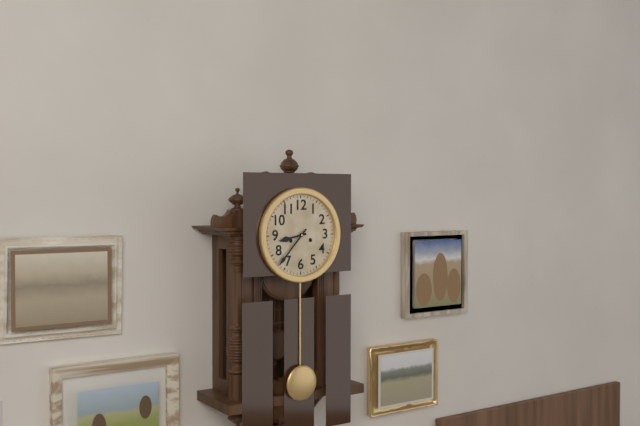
8:37
